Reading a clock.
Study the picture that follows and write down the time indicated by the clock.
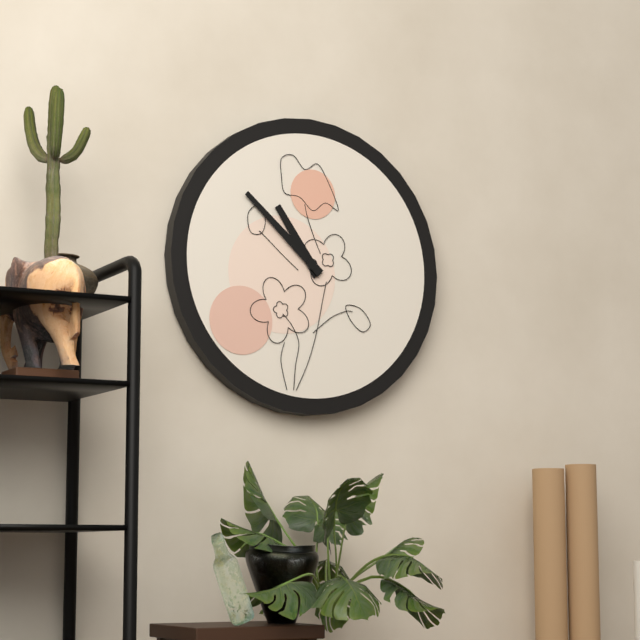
10:52
